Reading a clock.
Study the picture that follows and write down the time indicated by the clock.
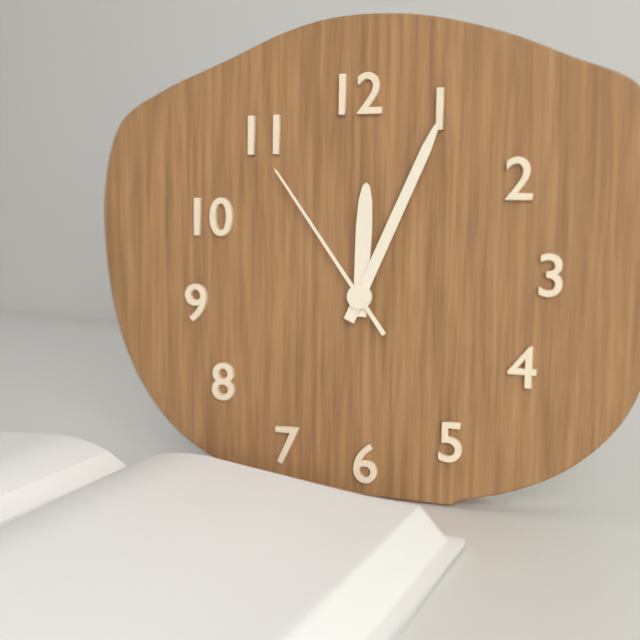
12:04:54
